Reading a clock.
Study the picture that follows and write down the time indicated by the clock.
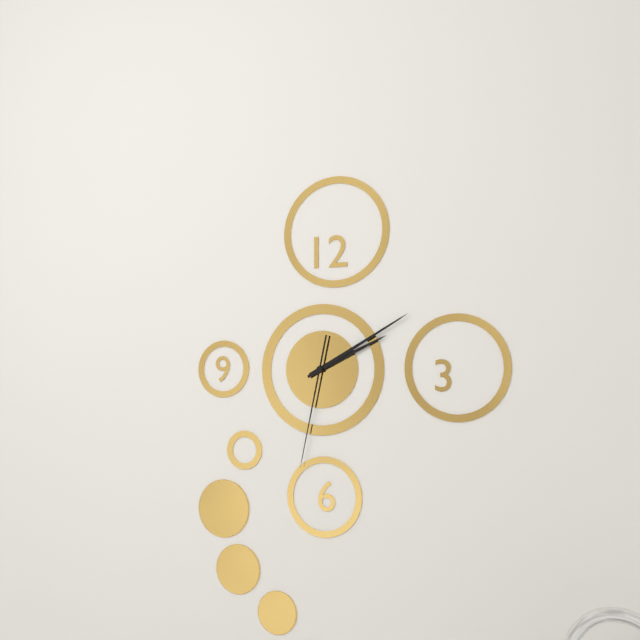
2:10:32
